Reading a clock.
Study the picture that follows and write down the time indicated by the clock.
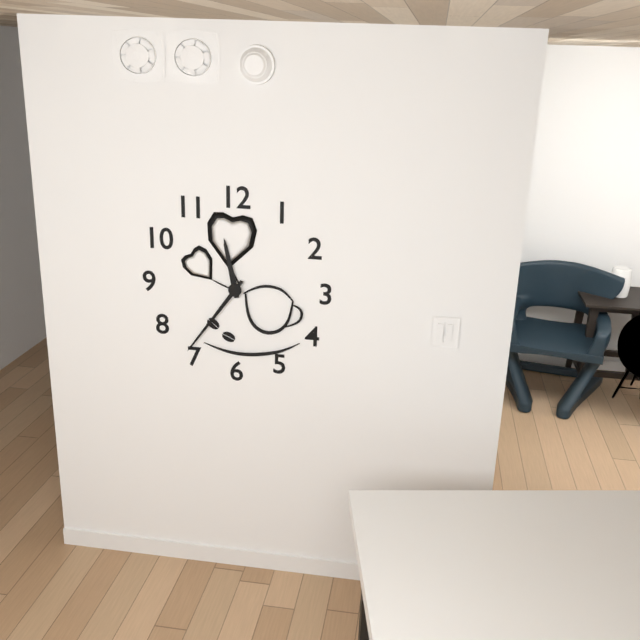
11:36
